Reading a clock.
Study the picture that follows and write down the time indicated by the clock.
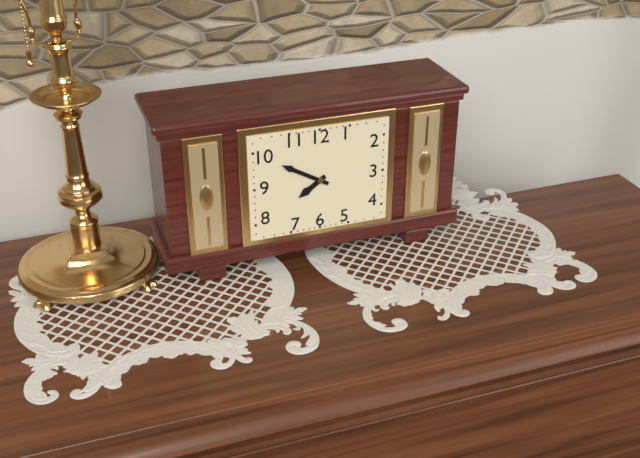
7:50
